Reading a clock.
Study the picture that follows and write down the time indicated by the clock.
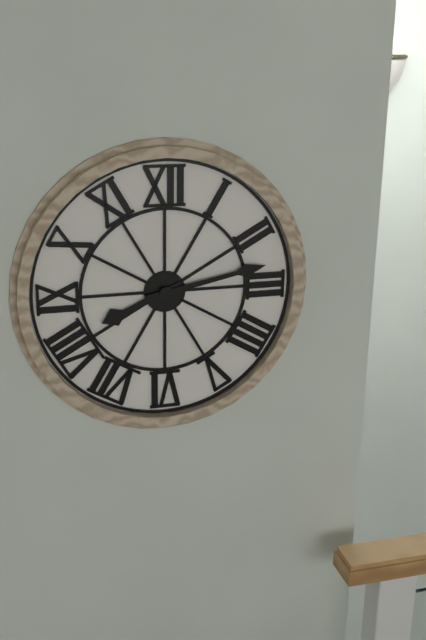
8:13
